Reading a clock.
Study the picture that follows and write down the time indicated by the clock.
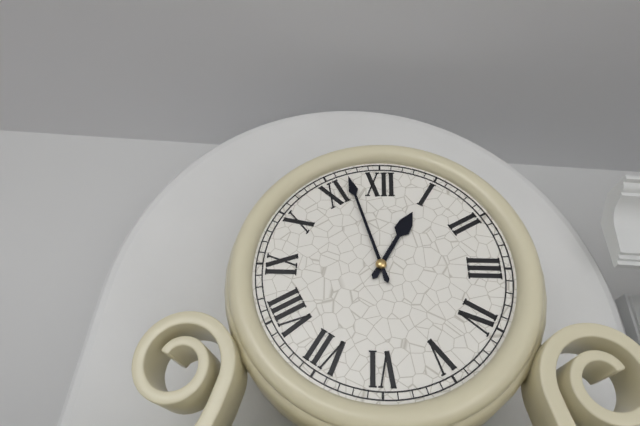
12:57
